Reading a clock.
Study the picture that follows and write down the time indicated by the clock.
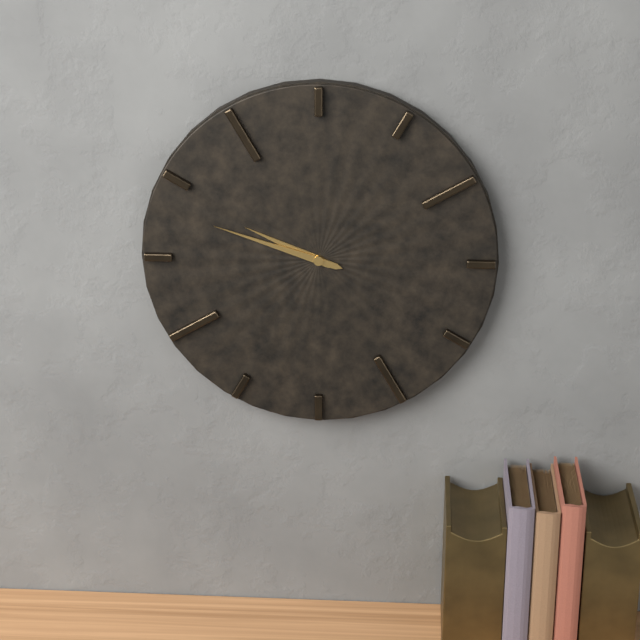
9:48
